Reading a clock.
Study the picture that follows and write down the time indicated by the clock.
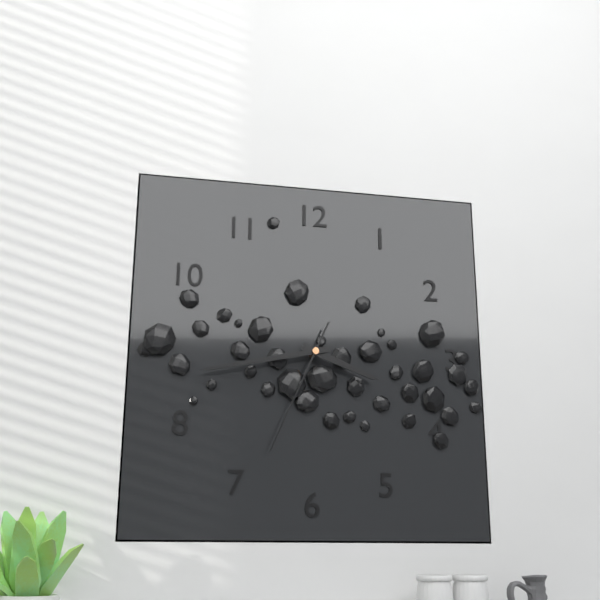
3:43:34
